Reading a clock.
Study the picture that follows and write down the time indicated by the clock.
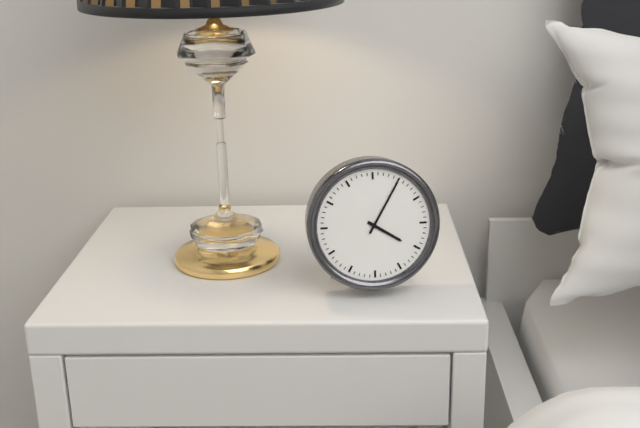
4:05
